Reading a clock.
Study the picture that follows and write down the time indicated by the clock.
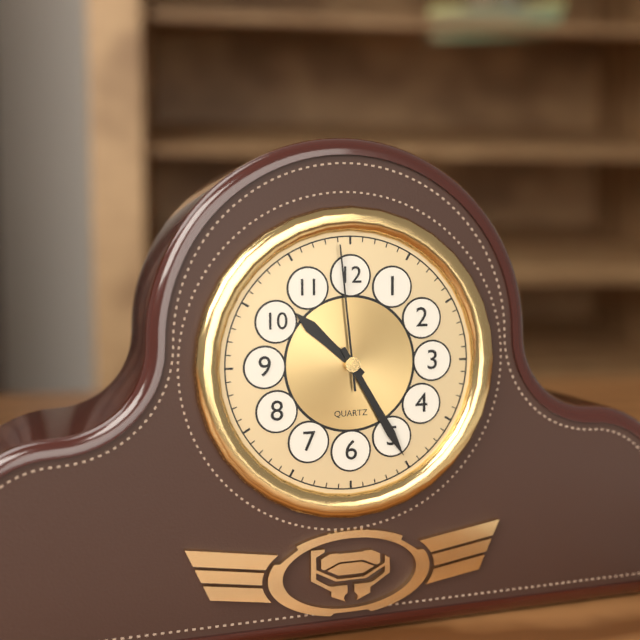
10:25:59
